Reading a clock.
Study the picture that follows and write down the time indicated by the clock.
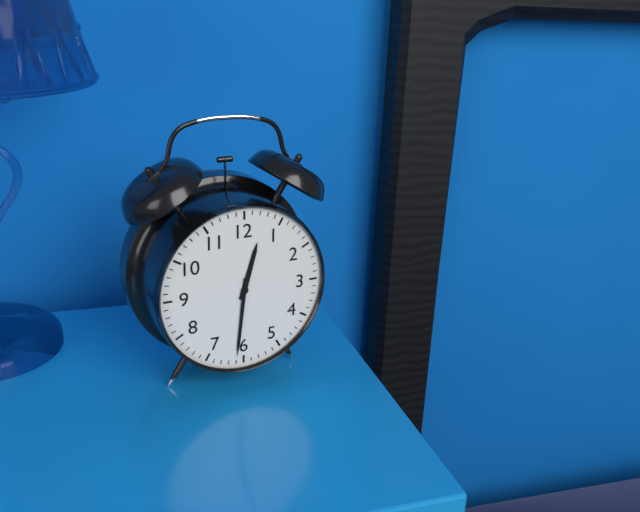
12:31
